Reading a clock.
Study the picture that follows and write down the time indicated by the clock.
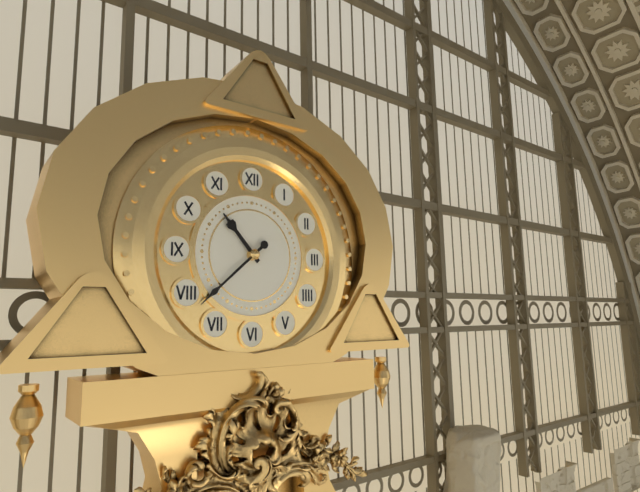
10:38
